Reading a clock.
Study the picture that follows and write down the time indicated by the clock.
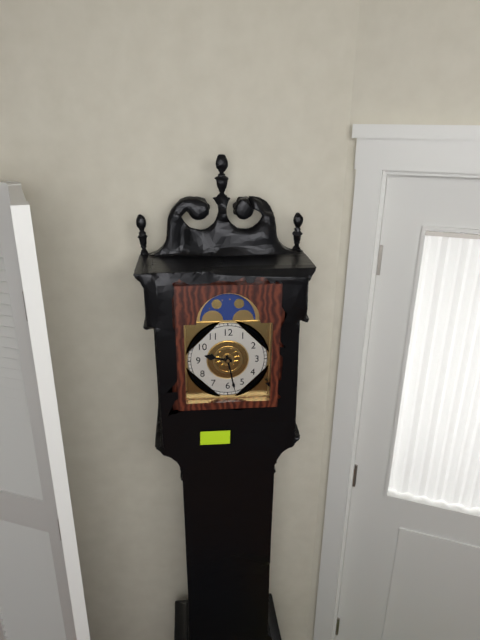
9:28
